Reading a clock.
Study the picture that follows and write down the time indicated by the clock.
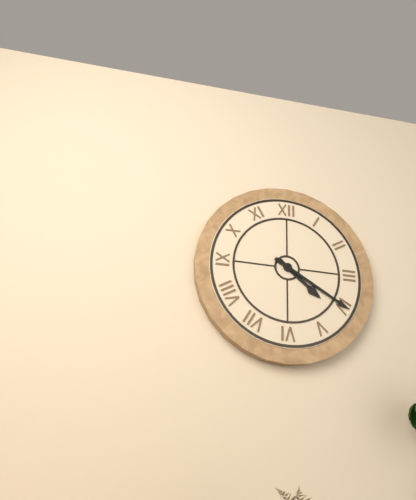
4:20
